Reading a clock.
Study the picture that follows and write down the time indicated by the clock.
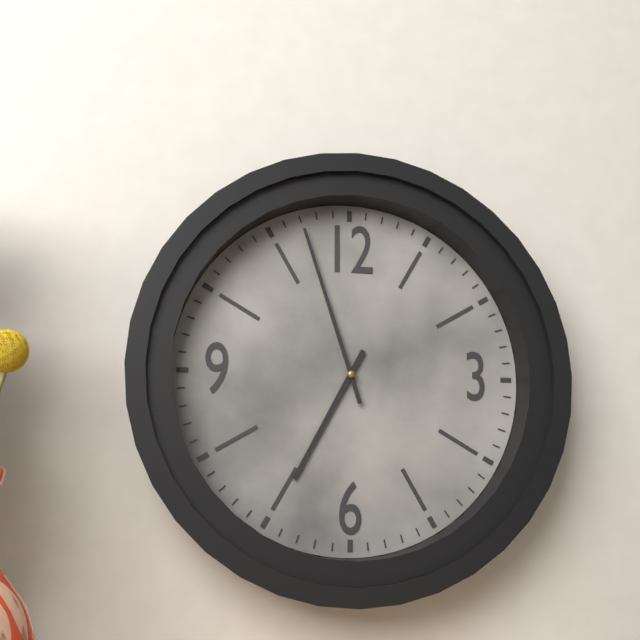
6:57
